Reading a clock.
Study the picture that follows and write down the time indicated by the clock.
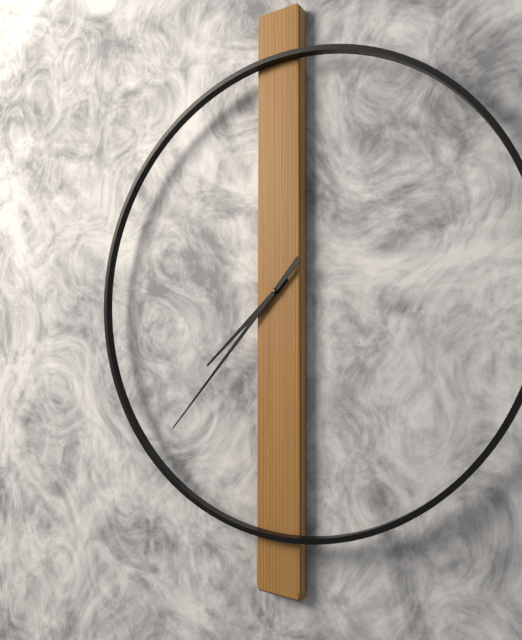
7:37
